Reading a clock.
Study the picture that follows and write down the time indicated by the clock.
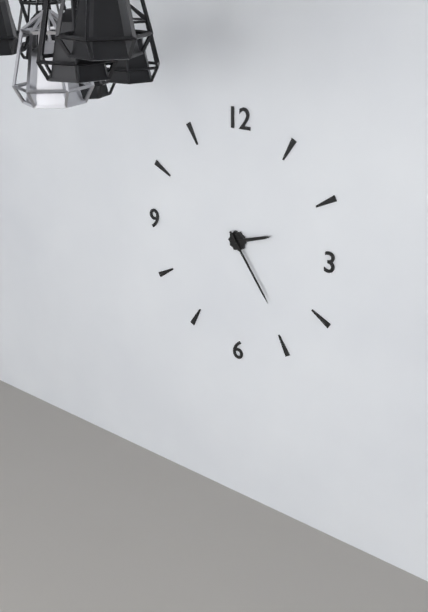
2:24
